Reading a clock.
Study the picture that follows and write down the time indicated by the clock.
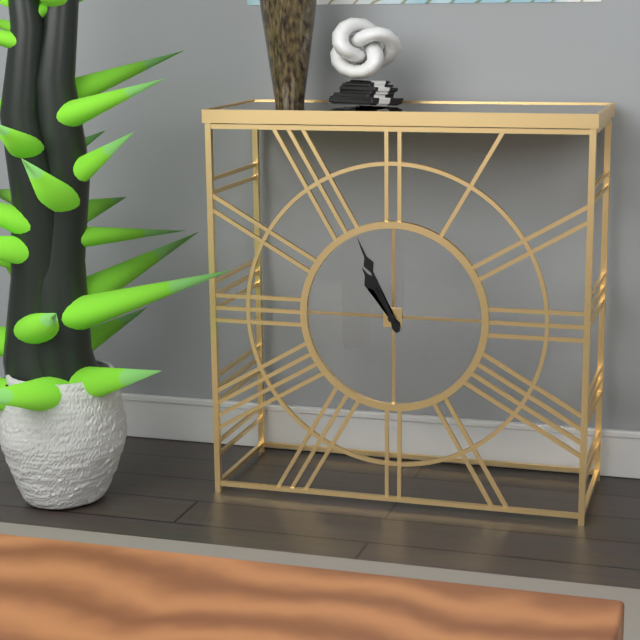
10:56
